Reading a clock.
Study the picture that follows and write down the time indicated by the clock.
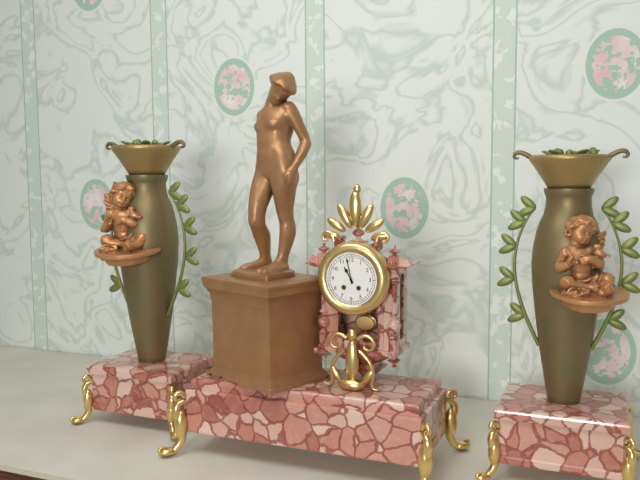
10:58
